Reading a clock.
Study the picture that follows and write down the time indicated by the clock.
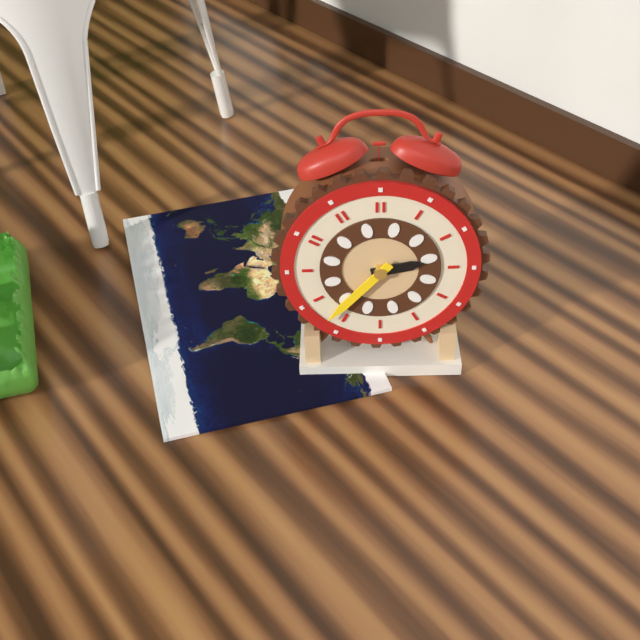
2:37
